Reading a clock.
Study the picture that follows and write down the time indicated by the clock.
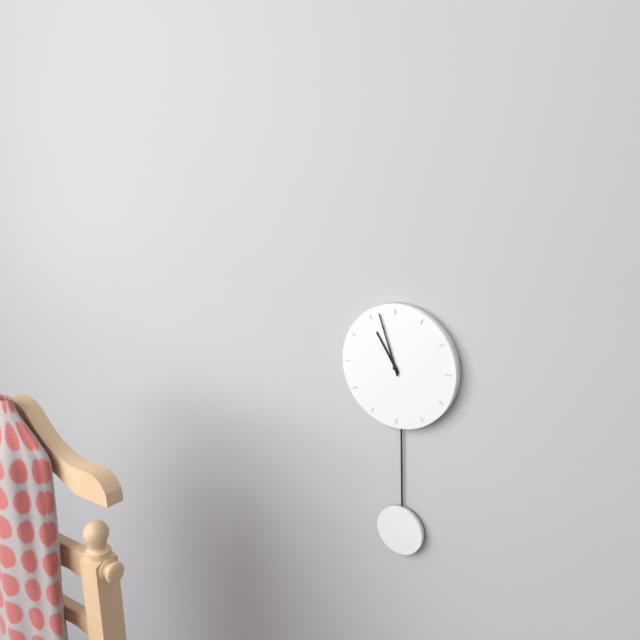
10:57
